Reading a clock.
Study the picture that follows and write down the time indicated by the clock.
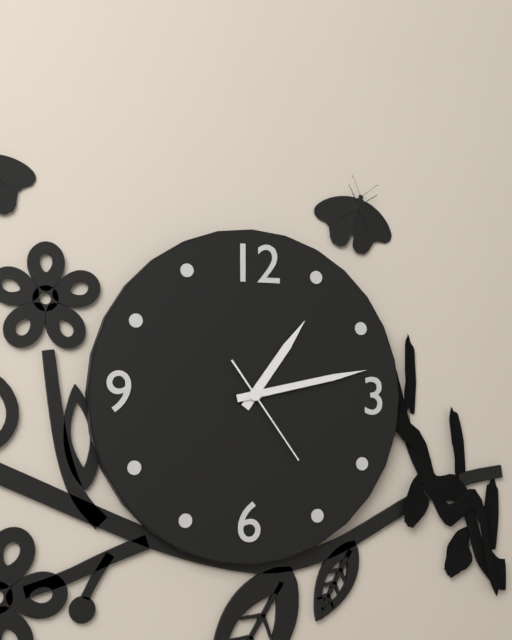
1:13:24
